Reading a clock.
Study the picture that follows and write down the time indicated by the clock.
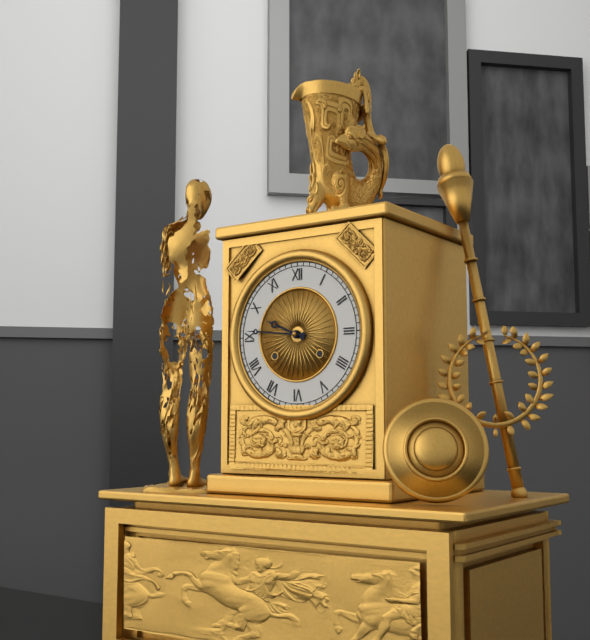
9:46
